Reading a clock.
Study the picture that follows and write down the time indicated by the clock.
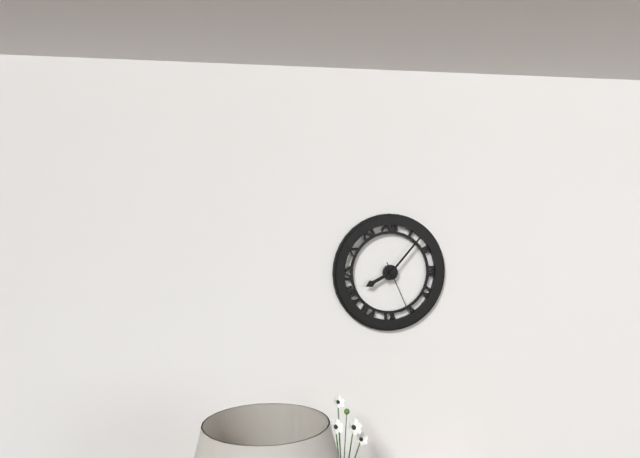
8:07:26
